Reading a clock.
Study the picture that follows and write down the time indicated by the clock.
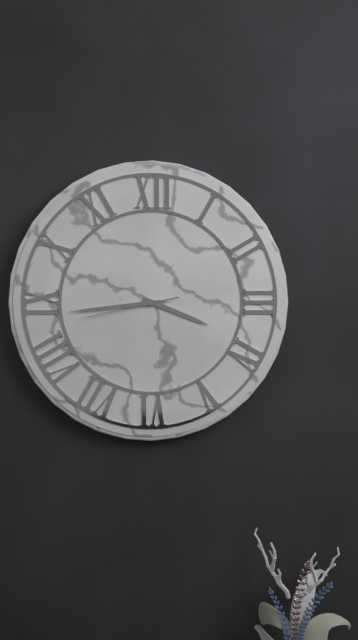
3:44:43
